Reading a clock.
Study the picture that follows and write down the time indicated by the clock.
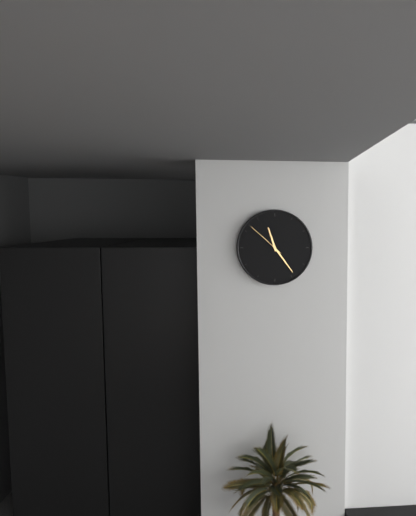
11:24
